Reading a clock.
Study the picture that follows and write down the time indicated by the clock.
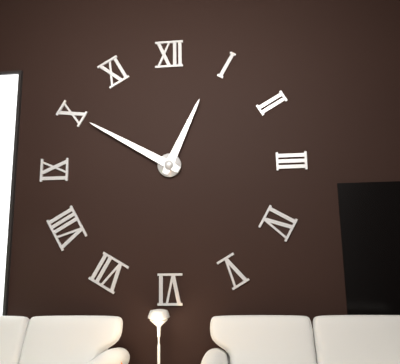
12:50
